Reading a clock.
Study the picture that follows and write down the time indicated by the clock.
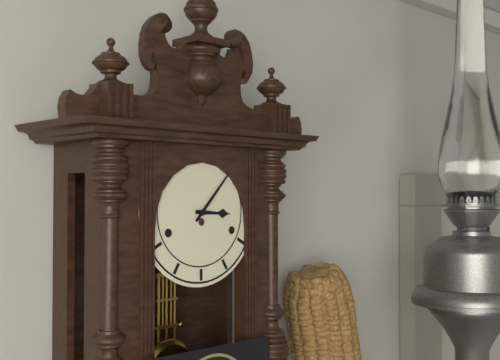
3:07
